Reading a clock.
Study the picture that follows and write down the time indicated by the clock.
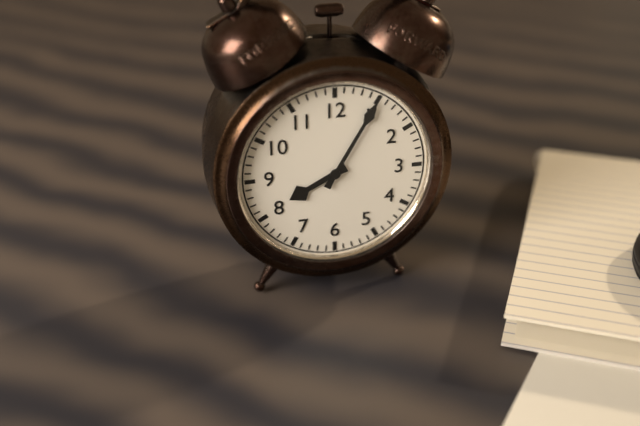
8:05
